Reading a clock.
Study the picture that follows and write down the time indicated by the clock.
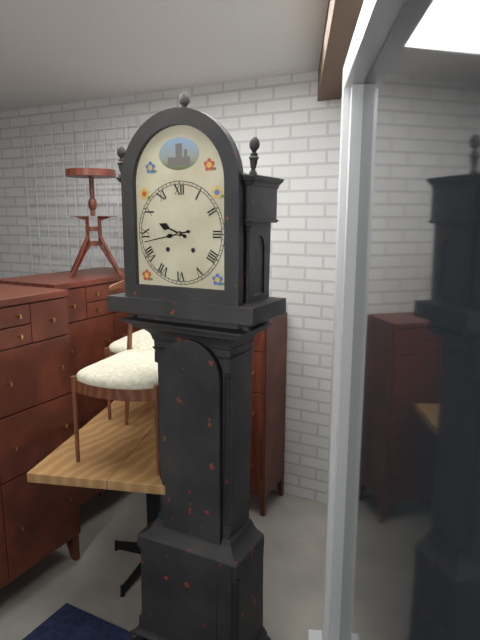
9:43
